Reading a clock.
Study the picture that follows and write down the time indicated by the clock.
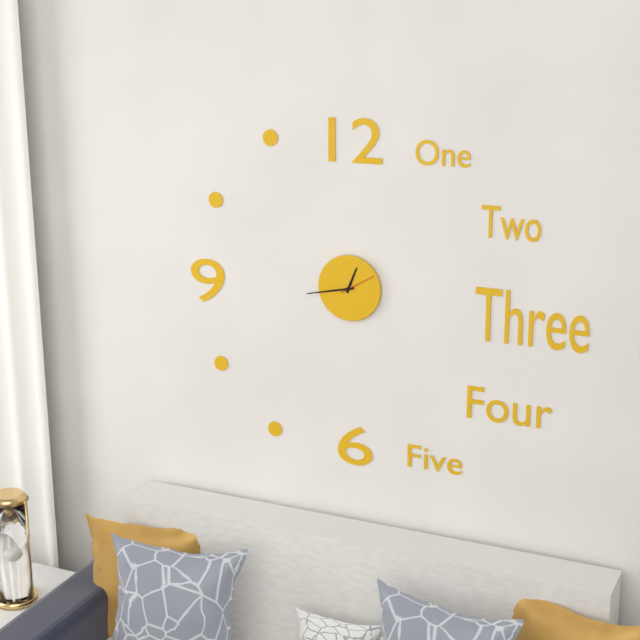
12:43
